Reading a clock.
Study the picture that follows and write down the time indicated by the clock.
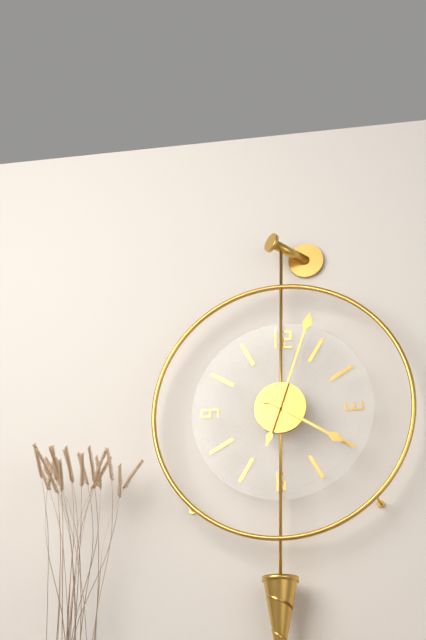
4:03
